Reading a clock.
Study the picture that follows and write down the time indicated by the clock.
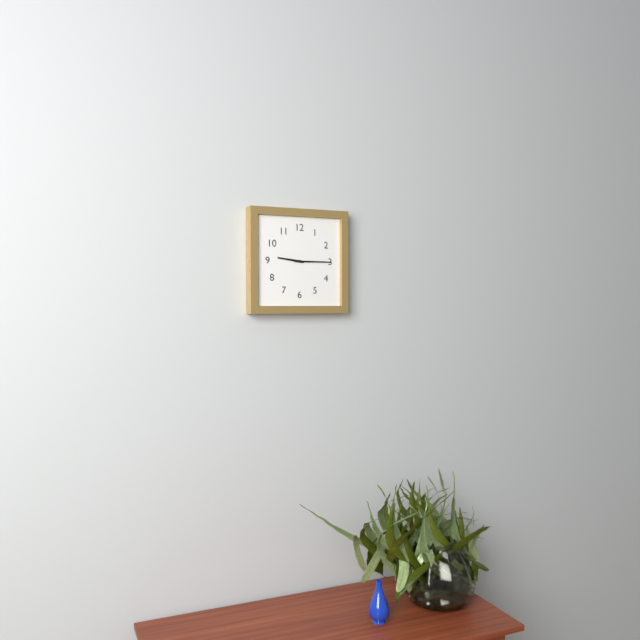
9:15
